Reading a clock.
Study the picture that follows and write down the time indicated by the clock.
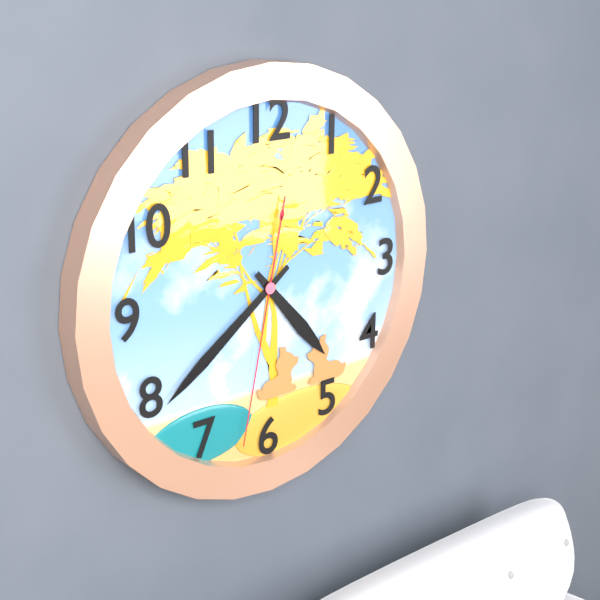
4:39:32
